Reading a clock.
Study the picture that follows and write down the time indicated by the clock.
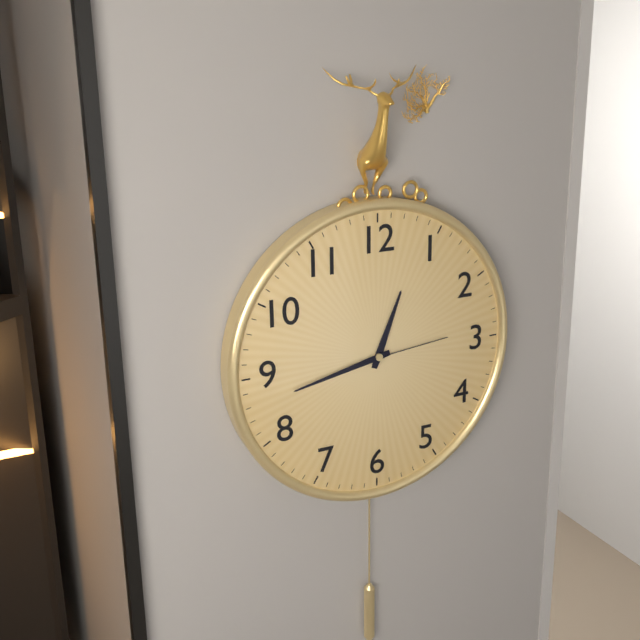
12:43:14
